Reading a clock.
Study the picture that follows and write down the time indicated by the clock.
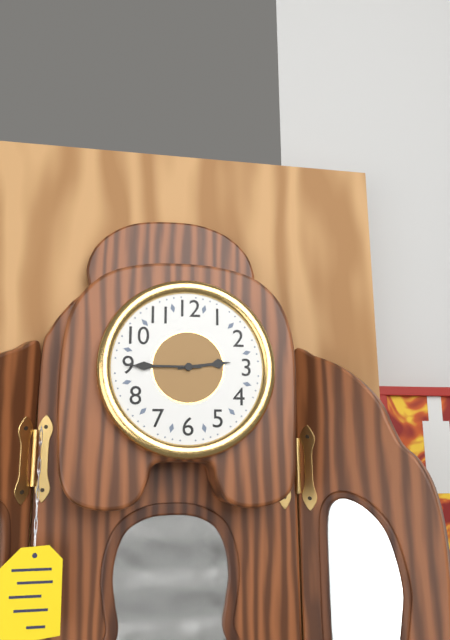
2:45
